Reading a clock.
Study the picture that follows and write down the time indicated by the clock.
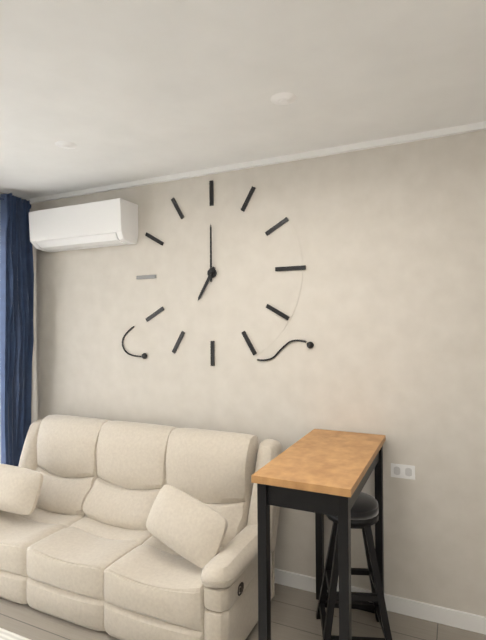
7:00
